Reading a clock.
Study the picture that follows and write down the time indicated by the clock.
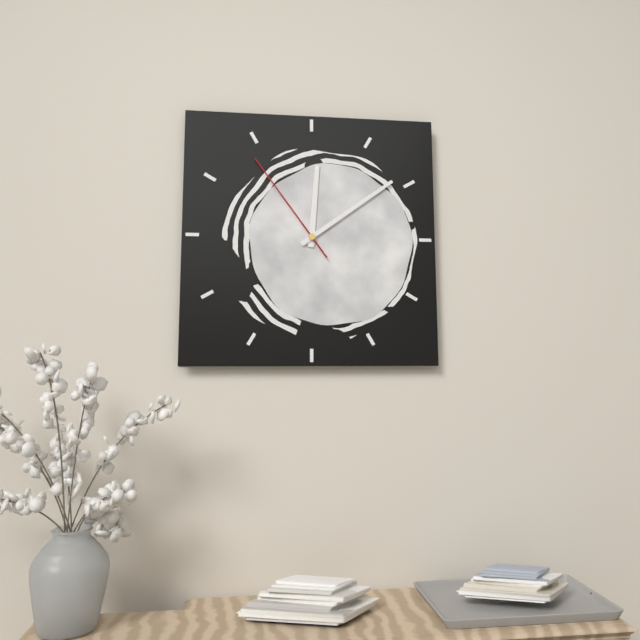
12:09:54
